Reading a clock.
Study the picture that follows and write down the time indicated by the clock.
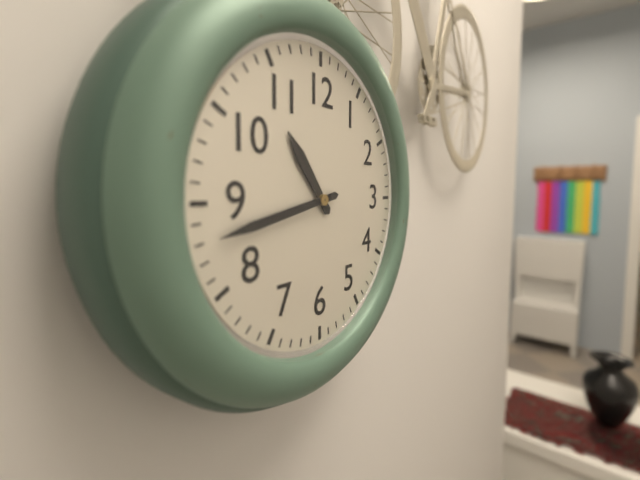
10:43
